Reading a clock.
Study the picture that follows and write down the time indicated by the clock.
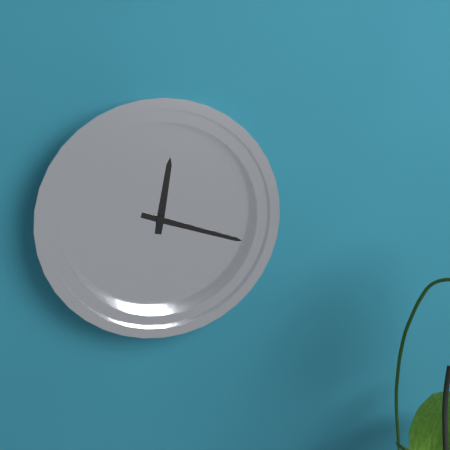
12:18
